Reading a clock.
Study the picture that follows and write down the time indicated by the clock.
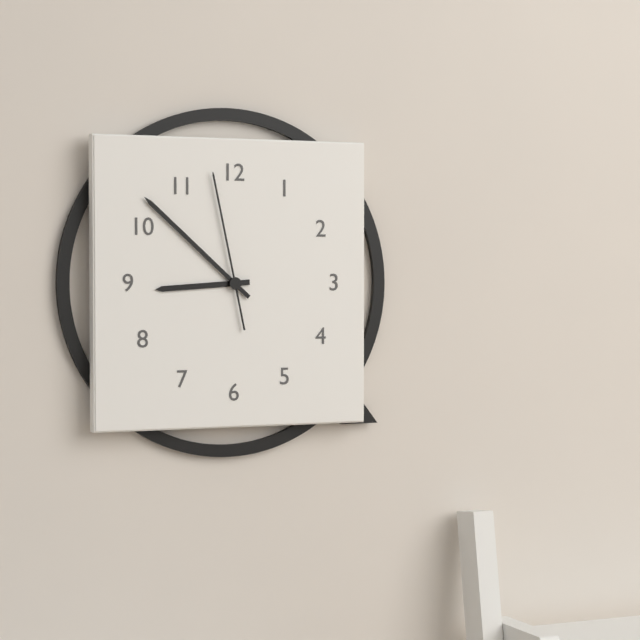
8:52:58
